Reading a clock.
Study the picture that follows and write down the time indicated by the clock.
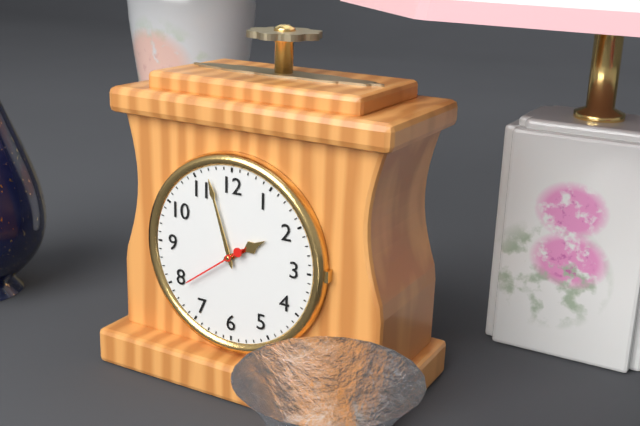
1:57:39
